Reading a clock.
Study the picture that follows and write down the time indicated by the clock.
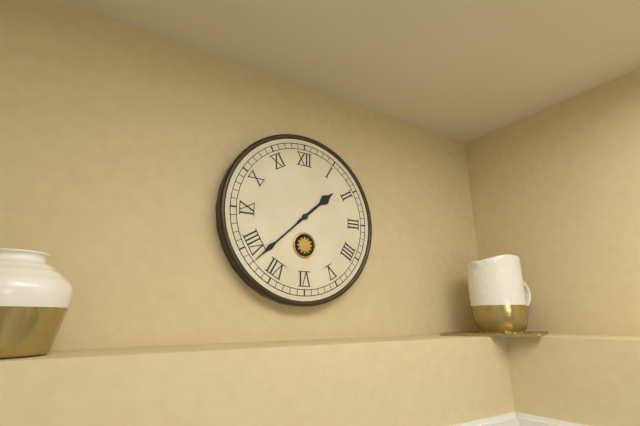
1:38
